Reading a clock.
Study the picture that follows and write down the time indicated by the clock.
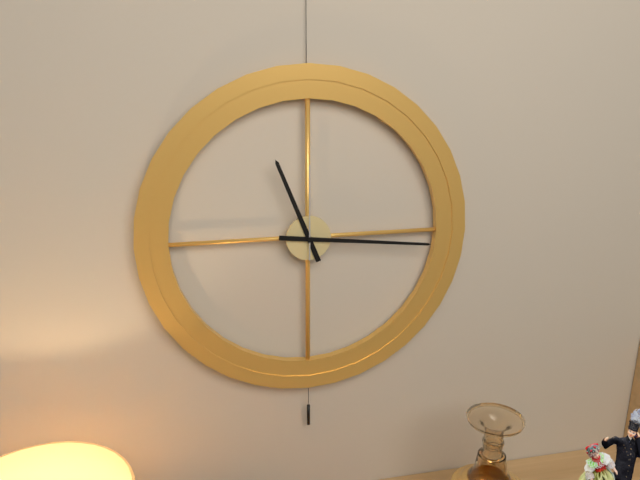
11:16:00
